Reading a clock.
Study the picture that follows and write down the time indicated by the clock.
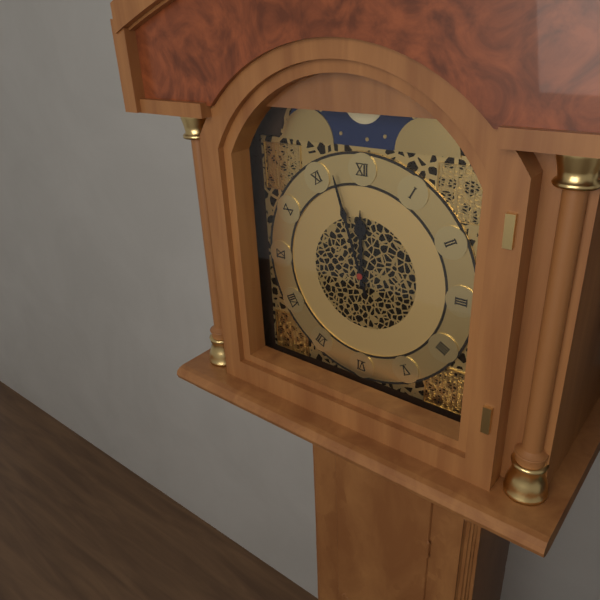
11:57
